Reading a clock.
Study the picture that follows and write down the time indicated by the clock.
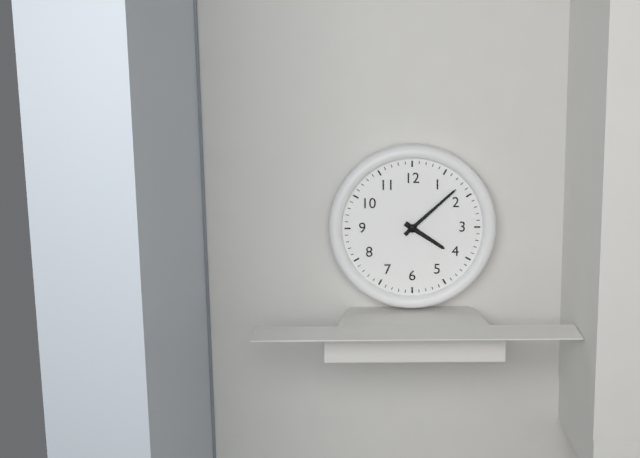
4:08
